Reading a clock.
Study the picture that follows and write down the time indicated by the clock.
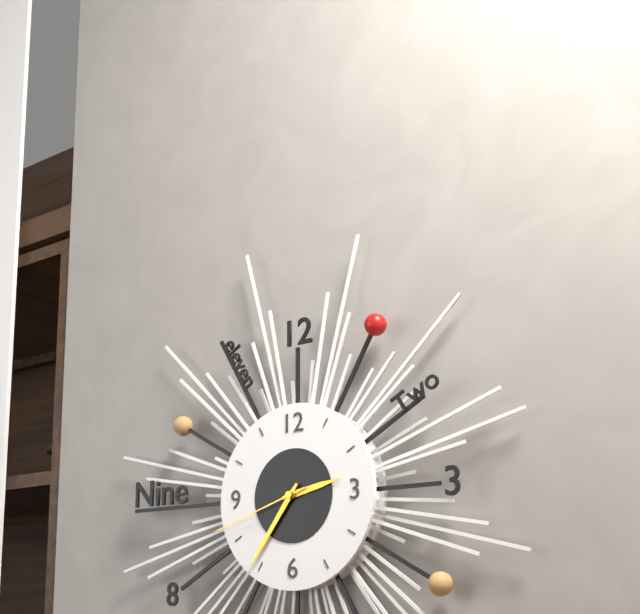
2:36:42
